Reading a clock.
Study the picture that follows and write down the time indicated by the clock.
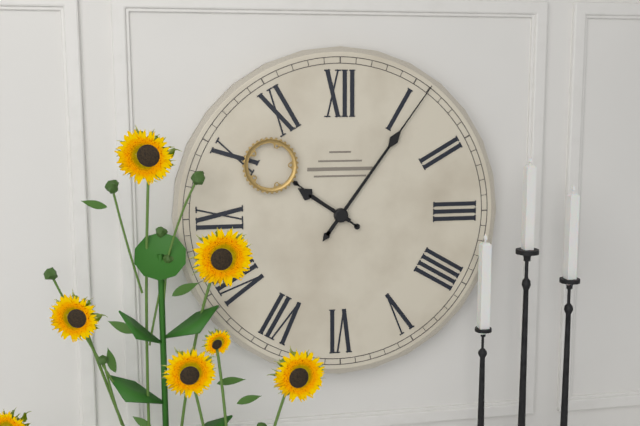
10:06:51
